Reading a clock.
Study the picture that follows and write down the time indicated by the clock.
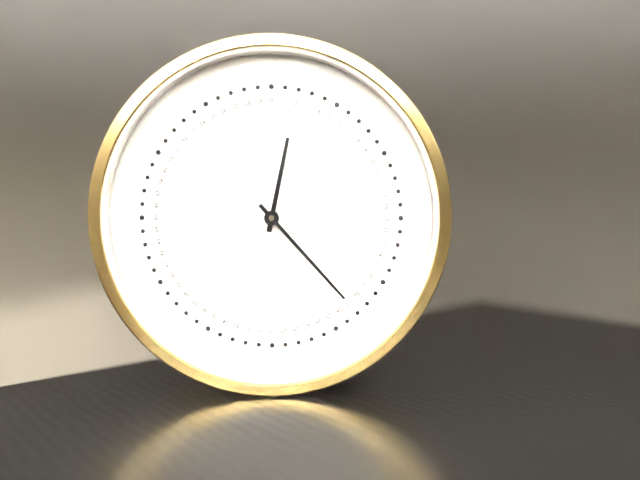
12:23
